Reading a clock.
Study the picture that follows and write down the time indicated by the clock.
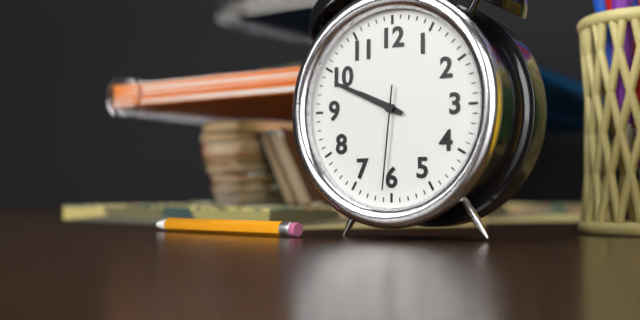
9:49:31
